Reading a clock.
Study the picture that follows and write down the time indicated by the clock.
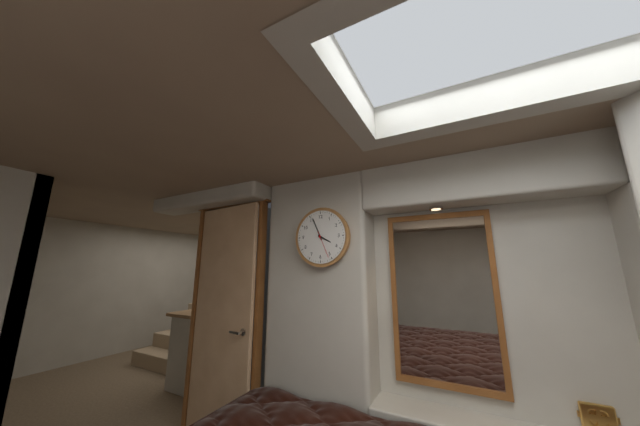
3:56
